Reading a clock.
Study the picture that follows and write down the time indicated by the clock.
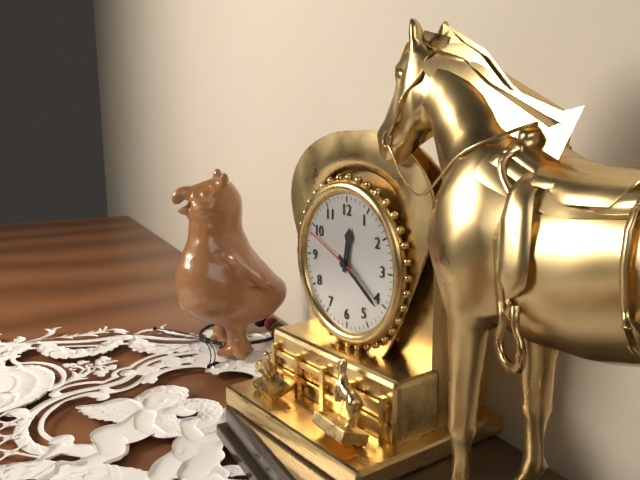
12:21:49
